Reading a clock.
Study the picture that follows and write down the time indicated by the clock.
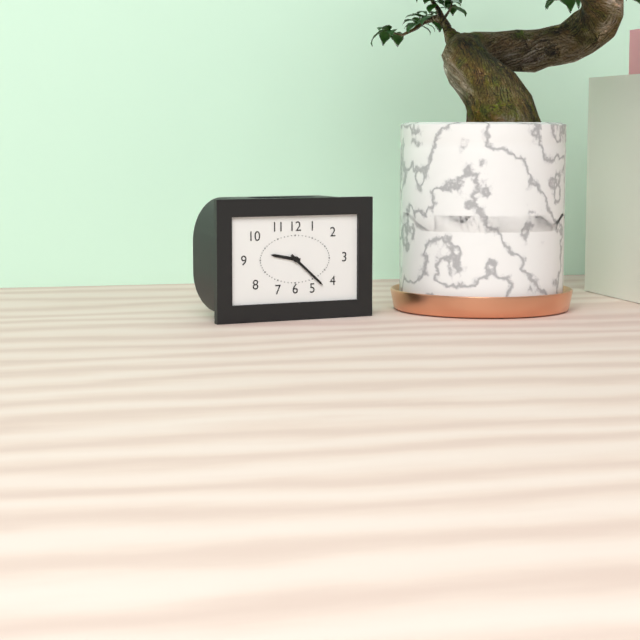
9:22
